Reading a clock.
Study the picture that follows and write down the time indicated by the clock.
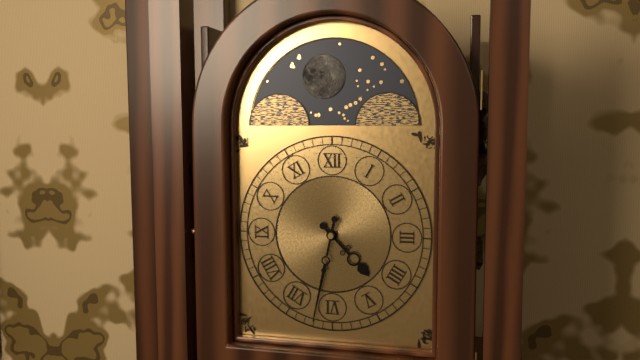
4:32
